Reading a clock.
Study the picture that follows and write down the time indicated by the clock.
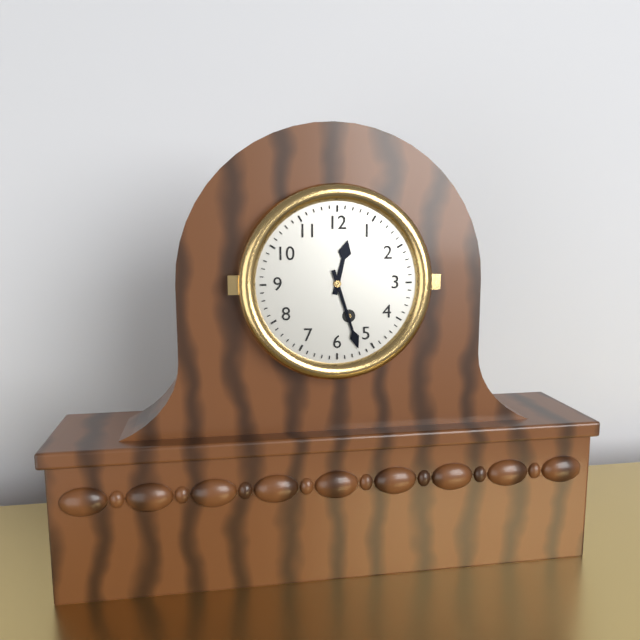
12:27
